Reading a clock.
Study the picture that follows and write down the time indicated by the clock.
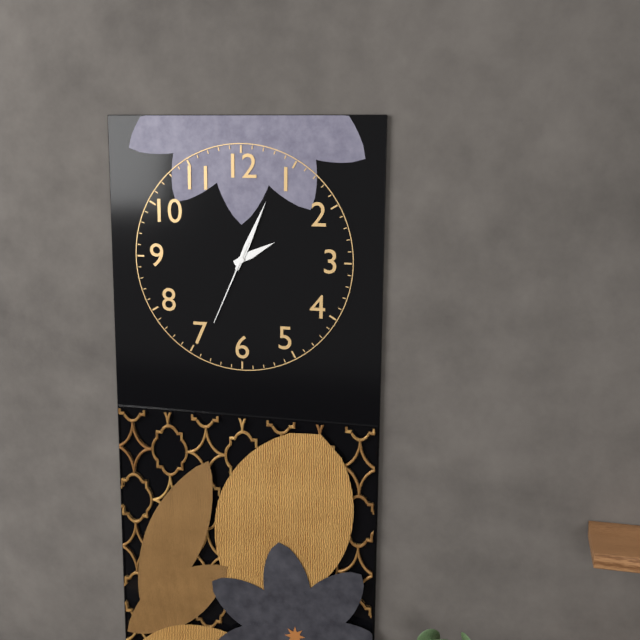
2:04:34
